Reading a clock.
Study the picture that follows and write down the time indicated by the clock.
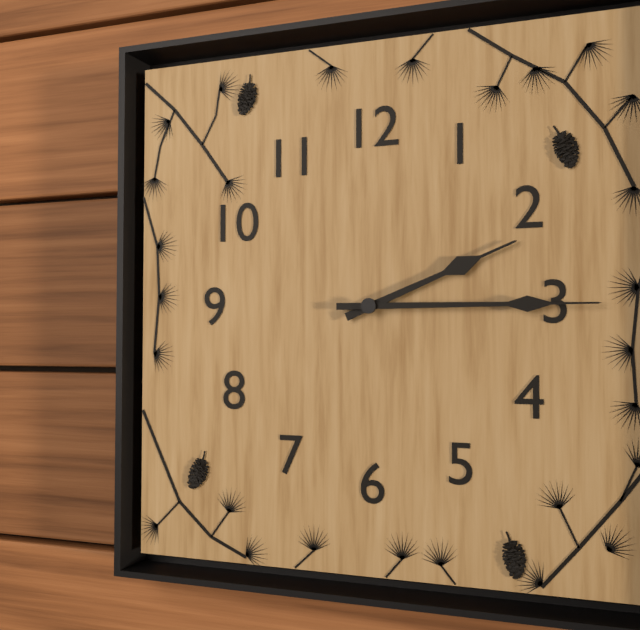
2:15
